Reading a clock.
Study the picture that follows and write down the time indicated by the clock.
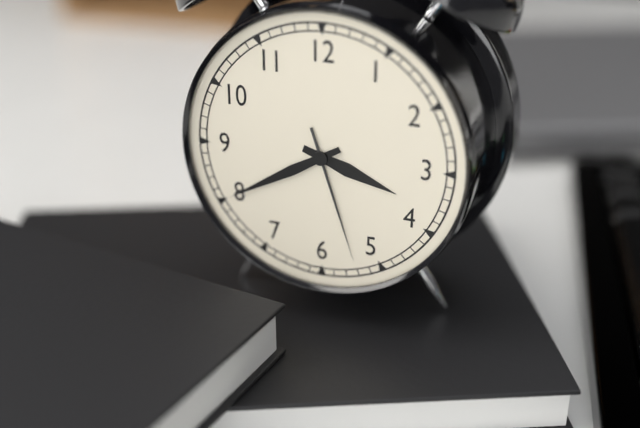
3:40:27
